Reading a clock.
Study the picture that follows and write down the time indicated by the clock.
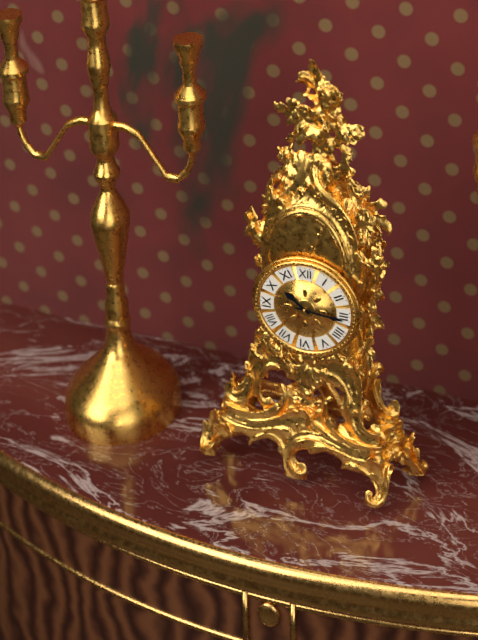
10:16
